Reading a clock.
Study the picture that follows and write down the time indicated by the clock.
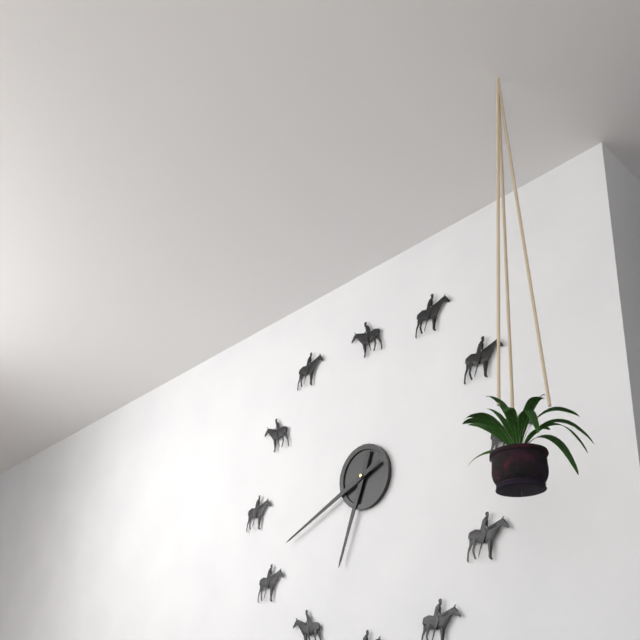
6:41
